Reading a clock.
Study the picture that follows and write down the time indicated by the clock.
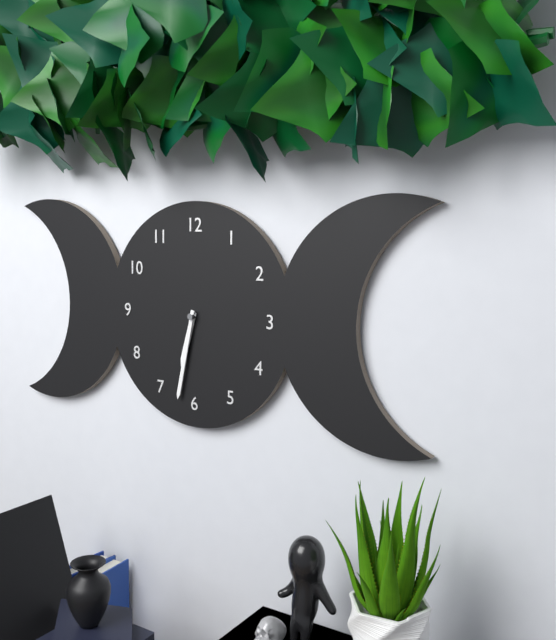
6:32
